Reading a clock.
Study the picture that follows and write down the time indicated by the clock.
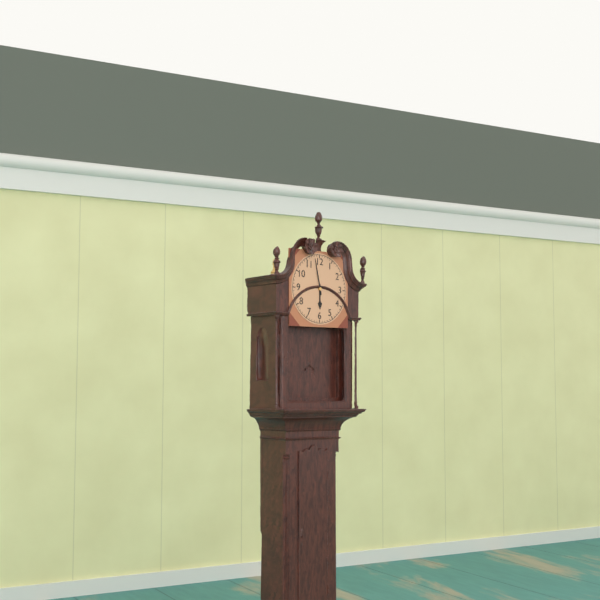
5:58
